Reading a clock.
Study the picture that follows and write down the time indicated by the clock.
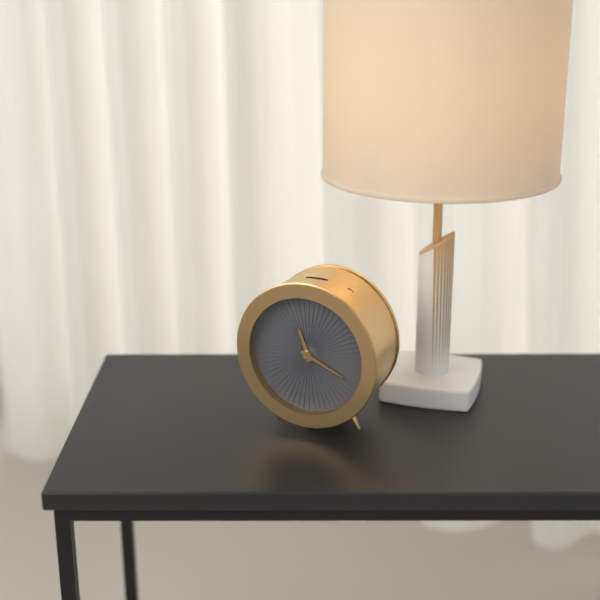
11:19
